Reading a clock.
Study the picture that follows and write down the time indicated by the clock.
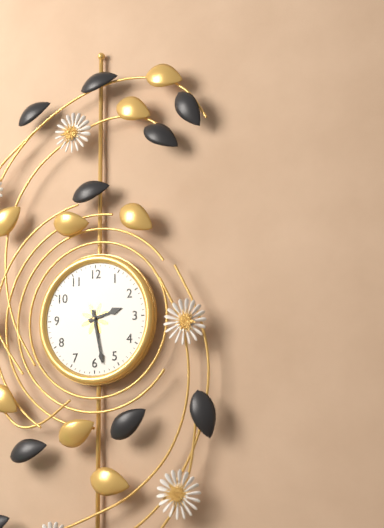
2:28
